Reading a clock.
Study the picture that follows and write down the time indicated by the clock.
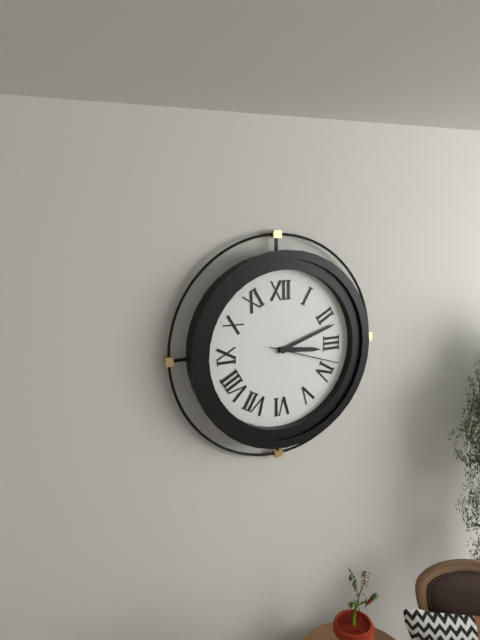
3:12:18
